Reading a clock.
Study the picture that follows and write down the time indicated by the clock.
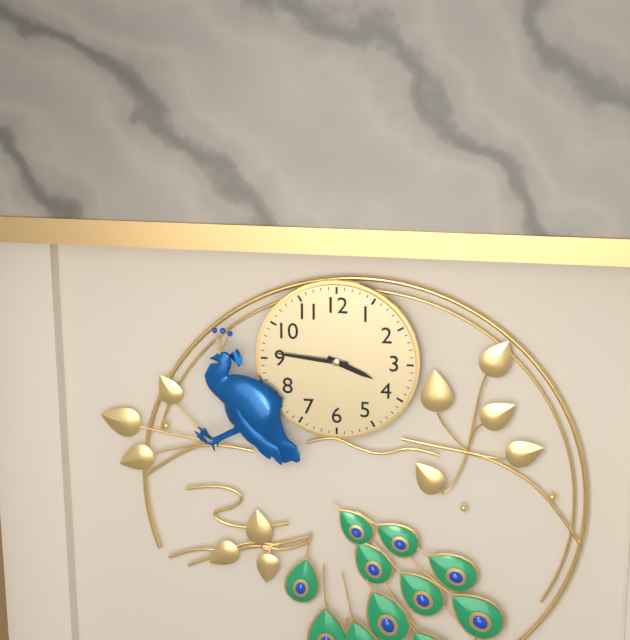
3:46
